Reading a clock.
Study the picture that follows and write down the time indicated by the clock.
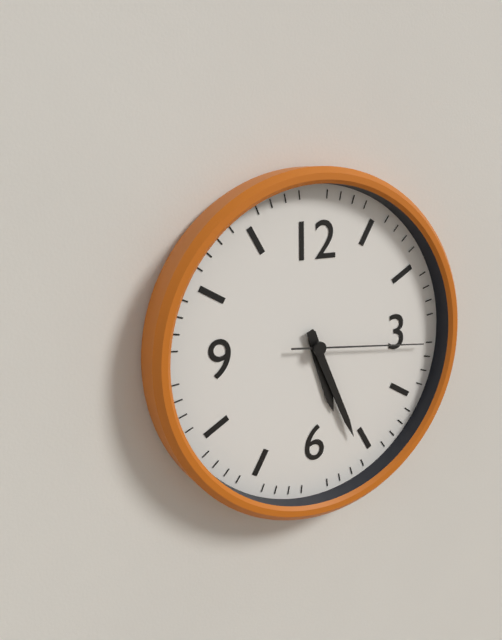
5:26:16
